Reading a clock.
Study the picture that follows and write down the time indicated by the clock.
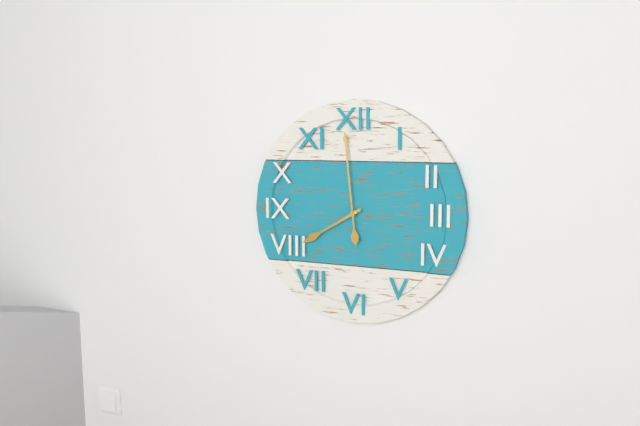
7:59
